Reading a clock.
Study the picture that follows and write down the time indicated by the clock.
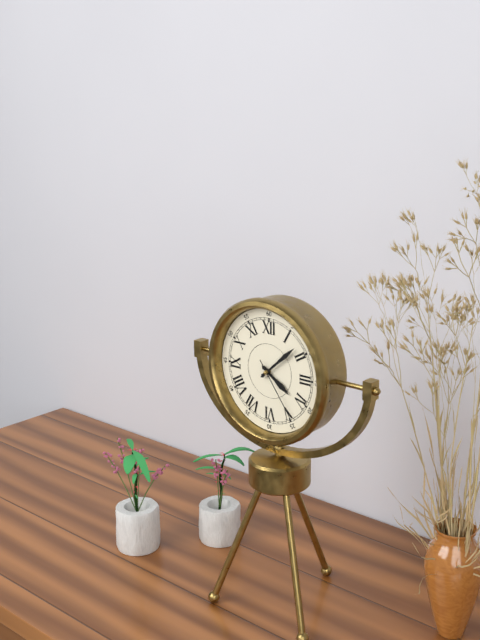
4:08:24
